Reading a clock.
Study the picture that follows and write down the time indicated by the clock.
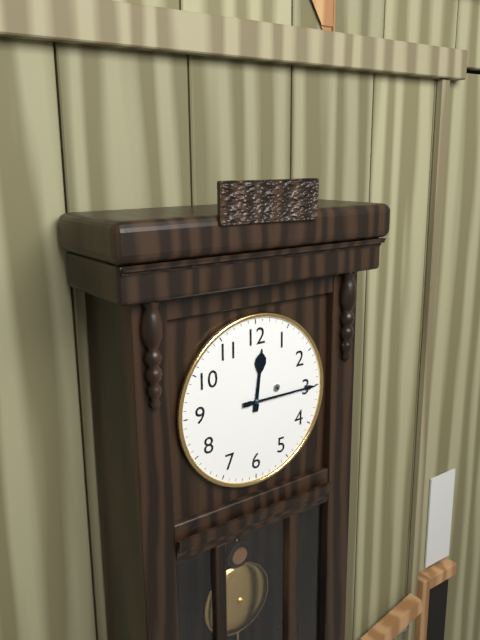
12:15
